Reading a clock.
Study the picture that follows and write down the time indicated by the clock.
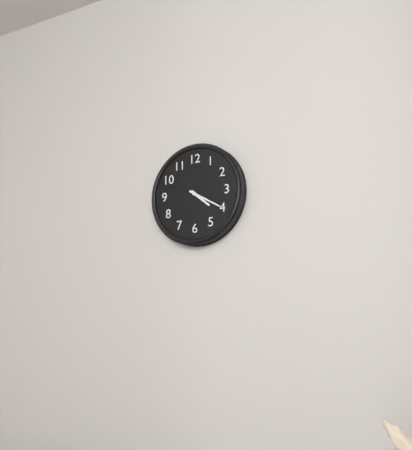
4:20
